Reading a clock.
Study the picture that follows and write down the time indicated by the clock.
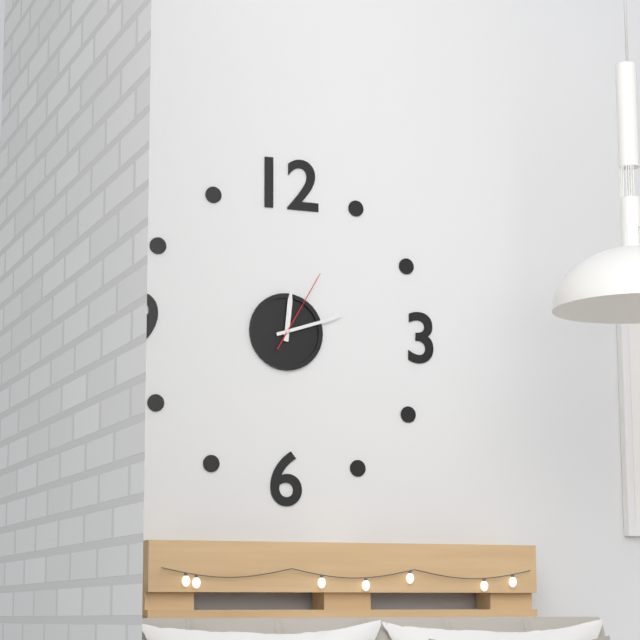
12:12:05
